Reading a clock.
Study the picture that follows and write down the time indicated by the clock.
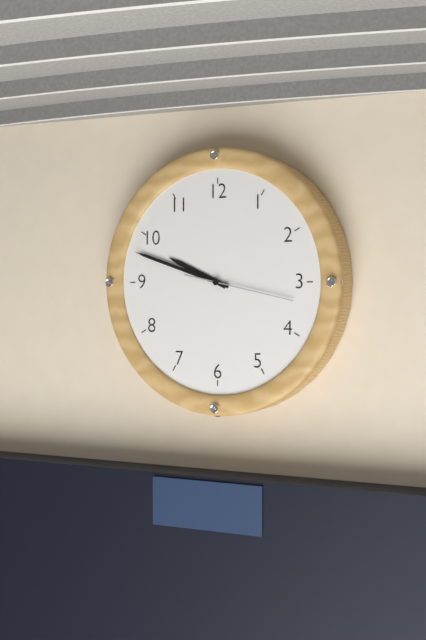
9:48:17
